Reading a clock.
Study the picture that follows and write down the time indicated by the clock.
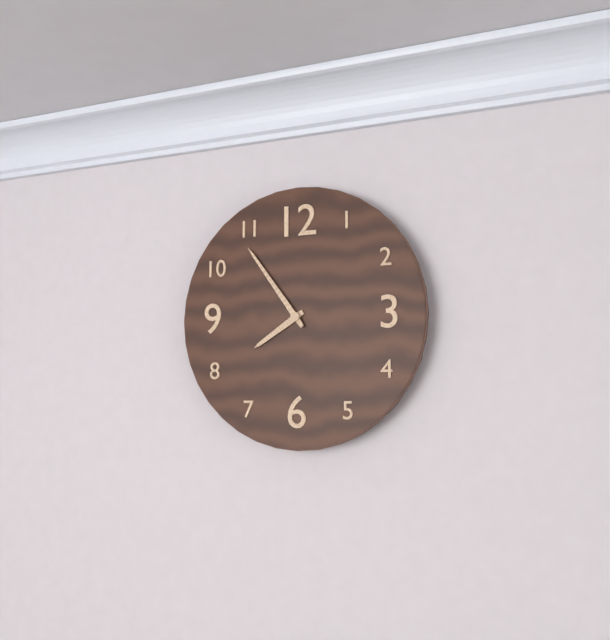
7:54
